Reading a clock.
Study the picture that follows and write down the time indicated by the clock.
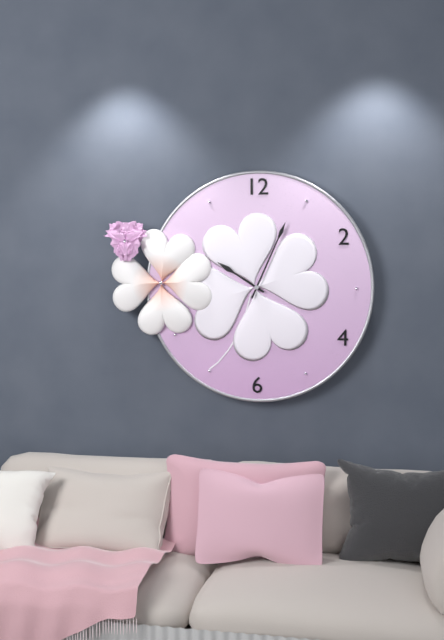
10:04
